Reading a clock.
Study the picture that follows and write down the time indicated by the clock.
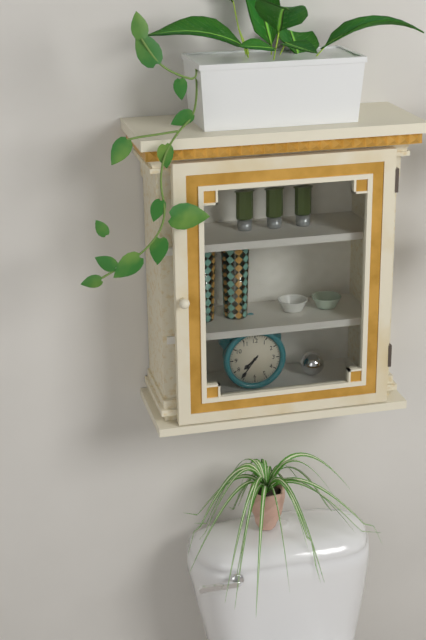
7:36
